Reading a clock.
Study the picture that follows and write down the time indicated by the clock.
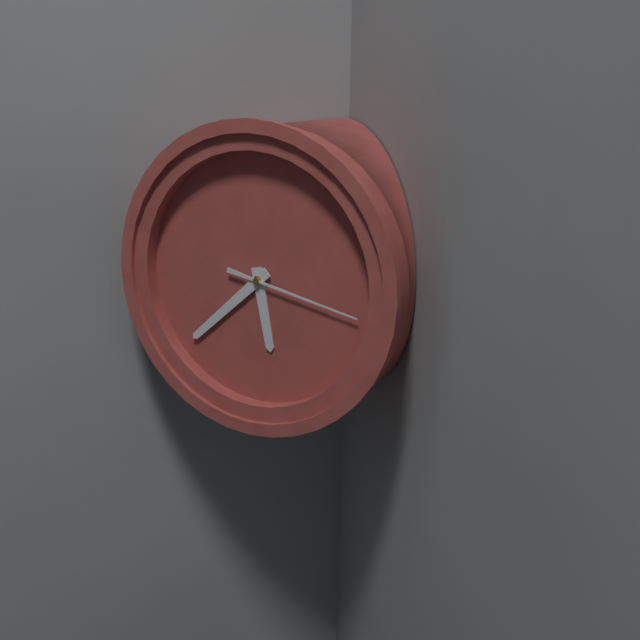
5:38:17
